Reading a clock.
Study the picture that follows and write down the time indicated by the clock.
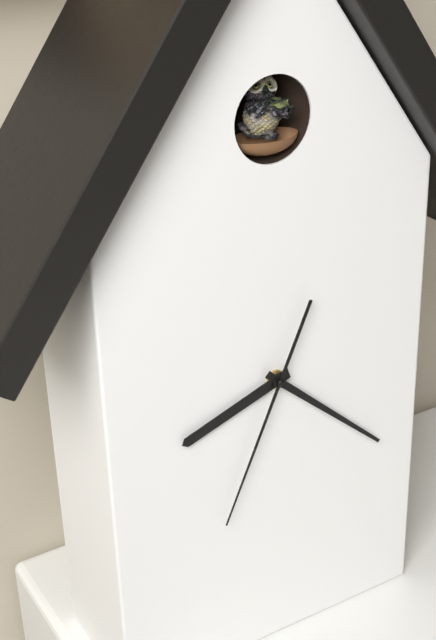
8:22:34
